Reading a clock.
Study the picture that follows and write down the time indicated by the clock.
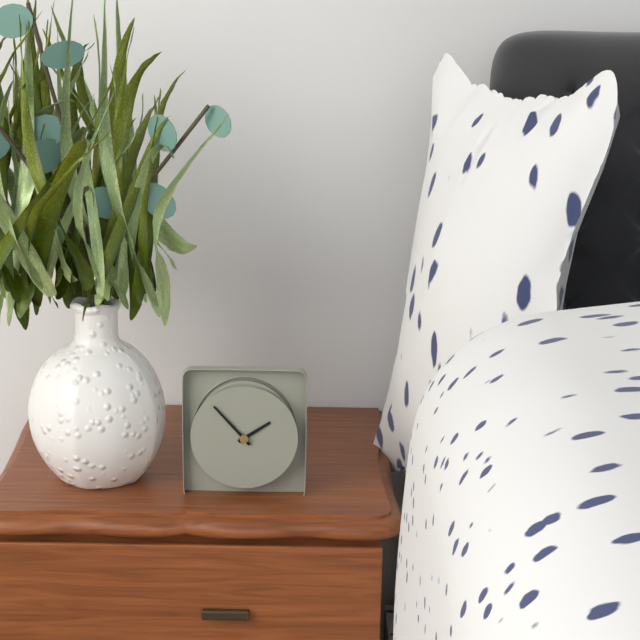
1:53
